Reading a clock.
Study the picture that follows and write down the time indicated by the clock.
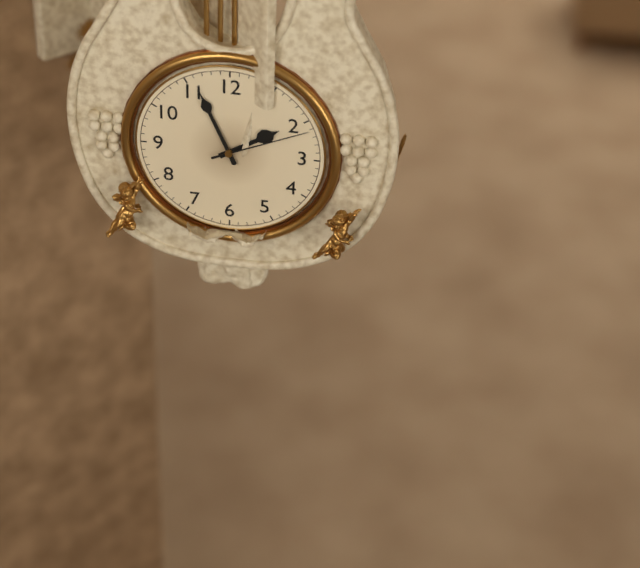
1:56:11
